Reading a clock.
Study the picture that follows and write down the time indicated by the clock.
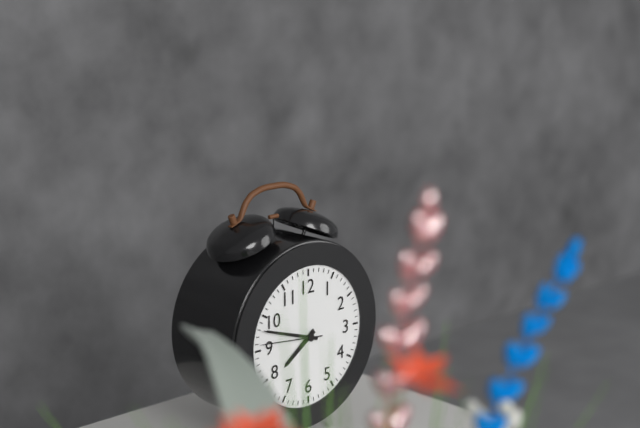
7:48:46
